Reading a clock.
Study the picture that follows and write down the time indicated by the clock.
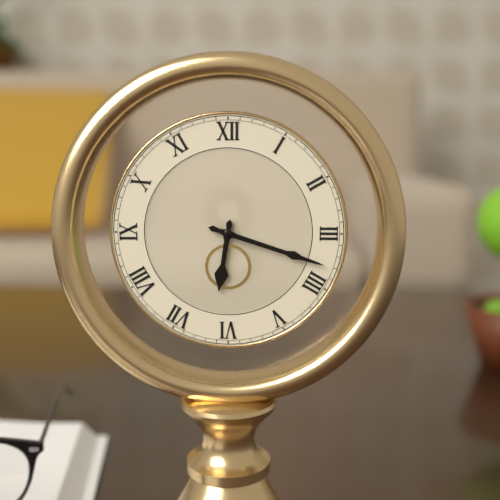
6:18
